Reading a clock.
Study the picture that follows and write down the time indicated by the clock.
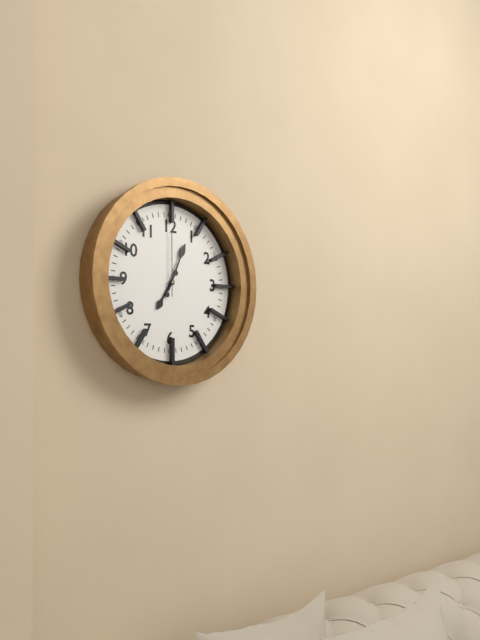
7:04:00
